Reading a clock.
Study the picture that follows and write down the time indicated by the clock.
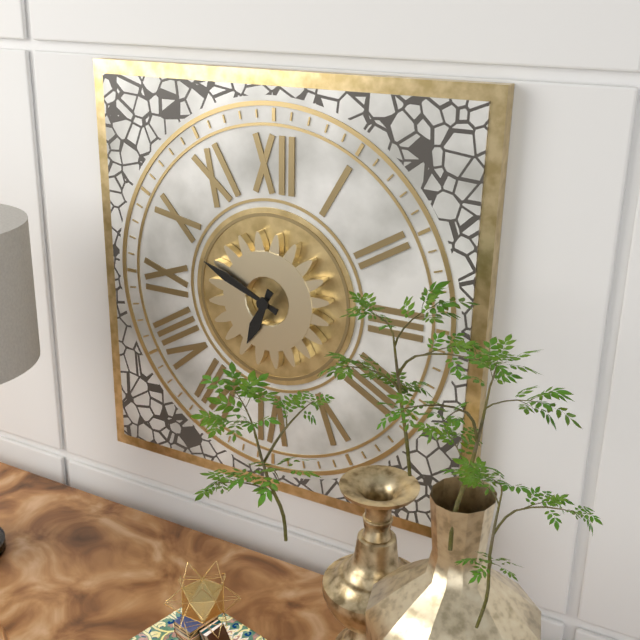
6:49
